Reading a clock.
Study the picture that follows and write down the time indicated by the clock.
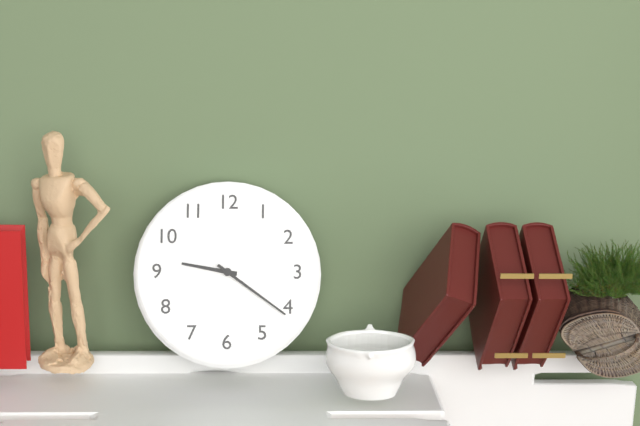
9:21
